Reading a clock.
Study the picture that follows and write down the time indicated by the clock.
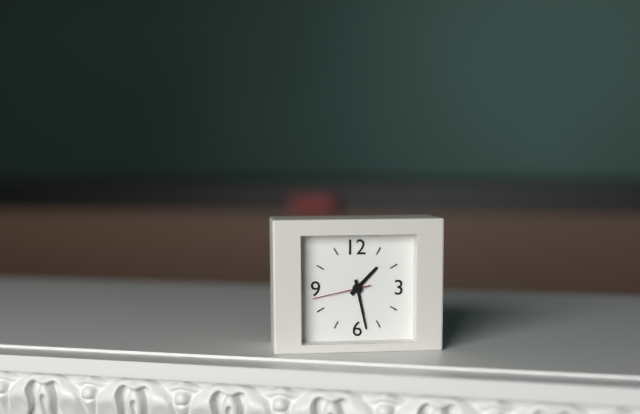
1:28:43
